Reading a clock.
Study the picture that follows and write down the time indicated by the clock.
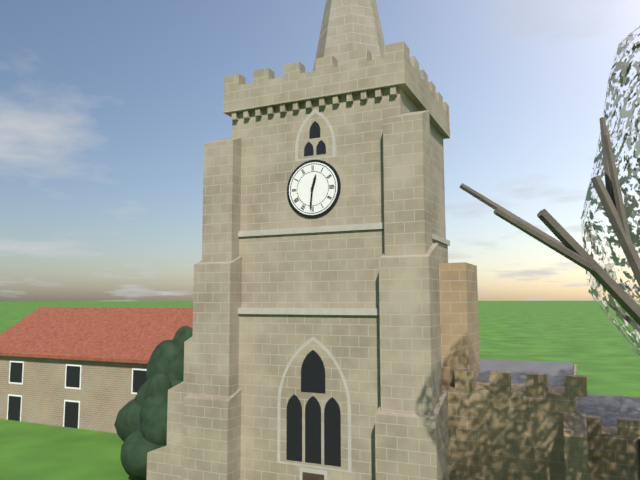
12:31
